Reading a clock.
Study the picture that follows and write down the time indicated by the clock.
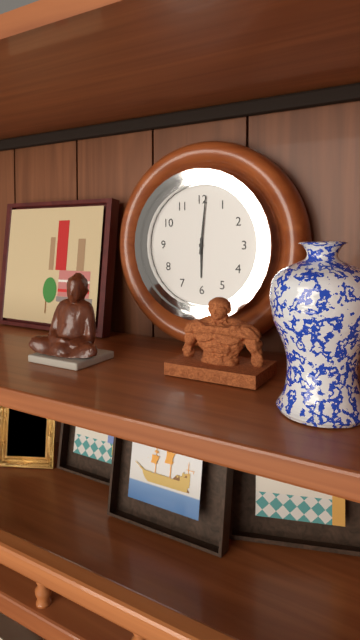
6:01
